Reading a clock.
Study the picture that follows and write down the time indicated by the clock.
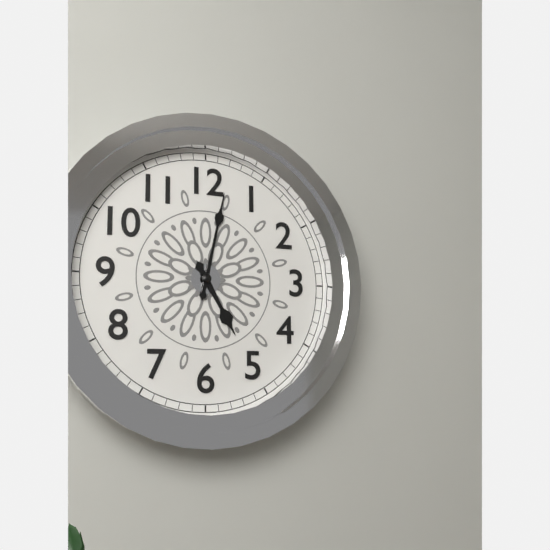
5:02
